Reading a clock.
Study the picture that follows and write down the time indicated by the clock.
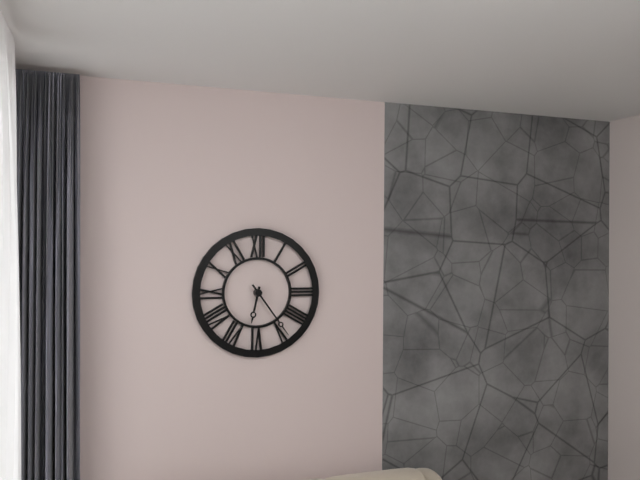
6:24
